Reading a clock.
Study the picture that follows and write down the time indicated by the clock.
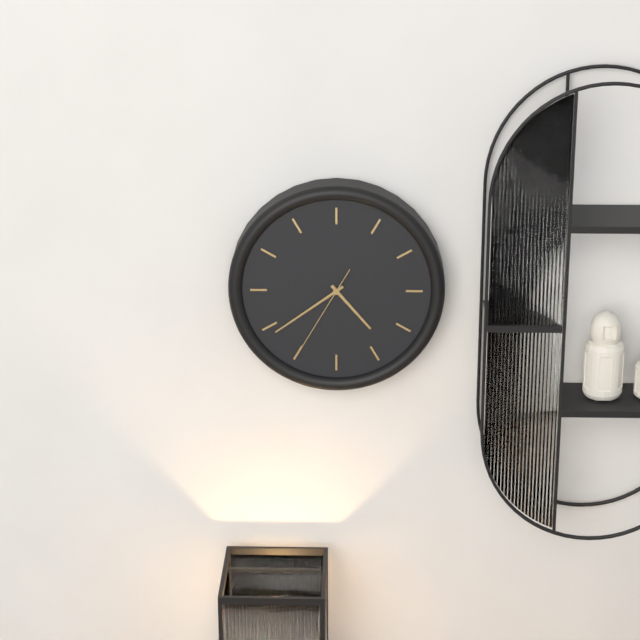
4:39:35
